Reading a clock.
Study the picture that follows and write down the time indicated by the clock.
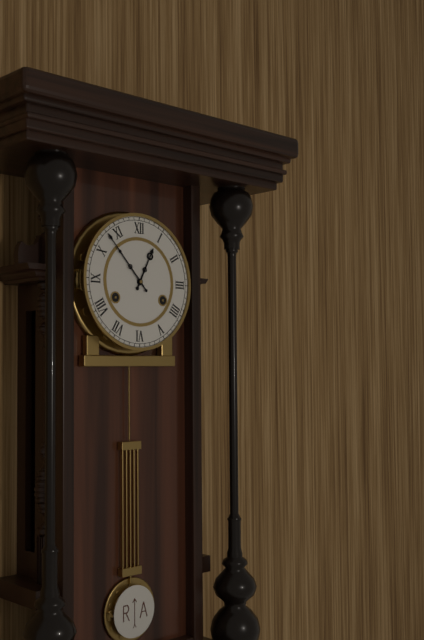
12:53
